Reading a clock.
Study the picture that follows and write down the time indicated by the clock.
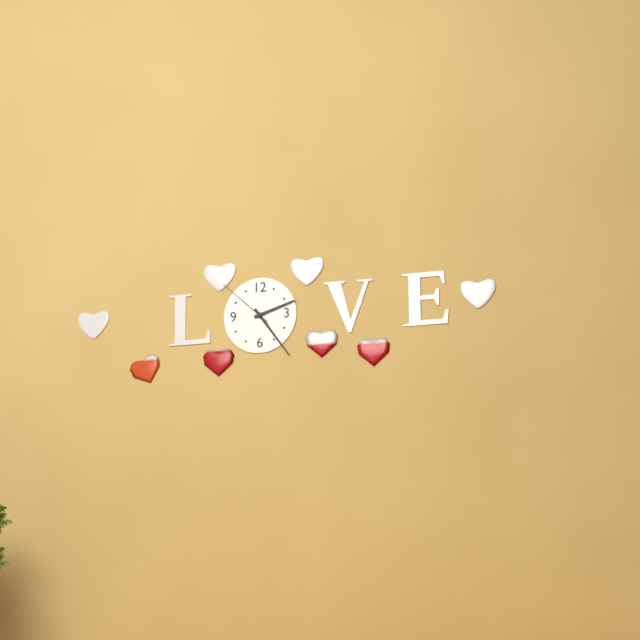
2:24:52
